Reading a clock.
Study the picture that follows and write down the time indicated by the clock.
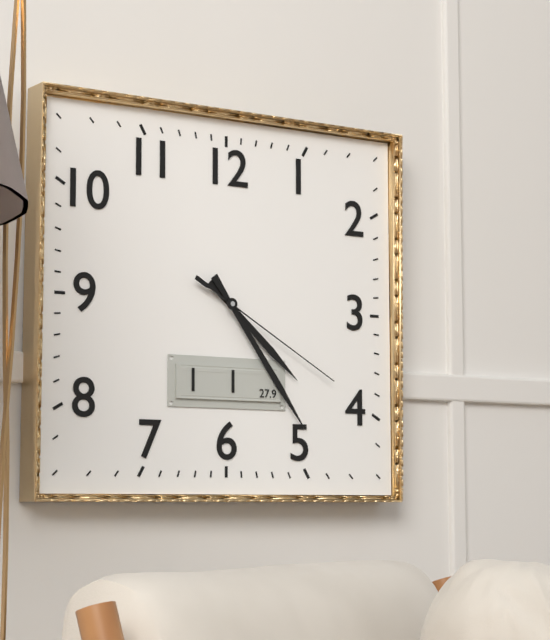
4:24:20
